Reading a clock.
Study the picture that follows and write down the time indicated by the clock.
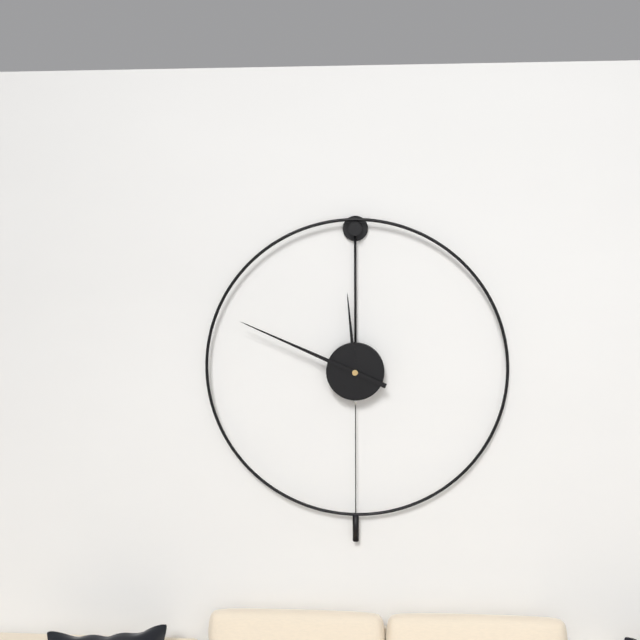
11:49
